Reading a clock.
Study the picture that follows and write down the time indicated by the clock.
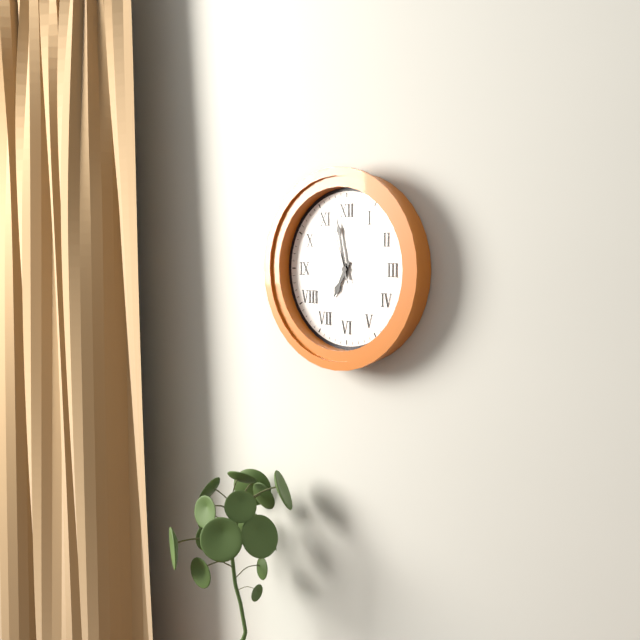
6:58:57
